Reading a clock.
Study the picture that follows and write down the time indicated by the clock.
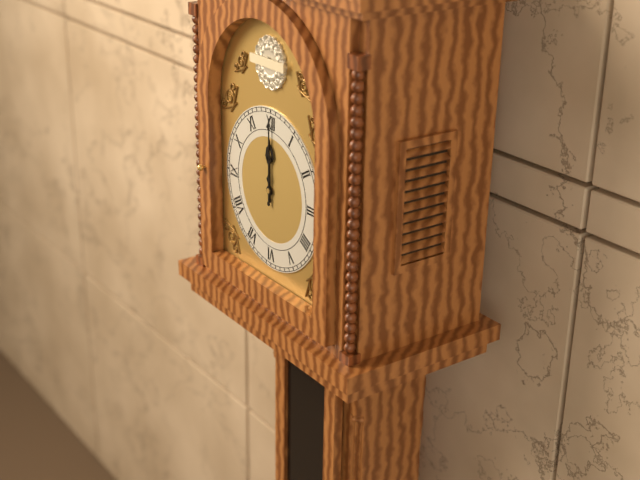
12:00
